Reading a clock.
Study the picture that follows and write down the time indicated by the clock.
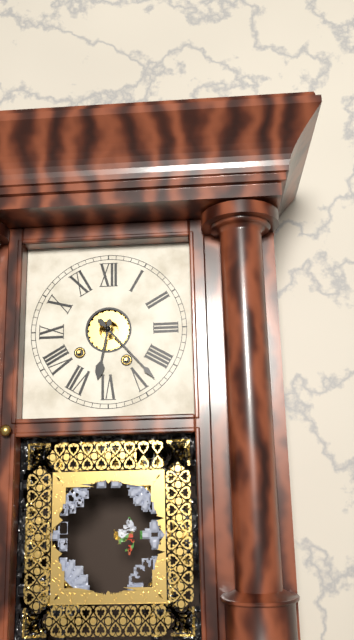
6:23
